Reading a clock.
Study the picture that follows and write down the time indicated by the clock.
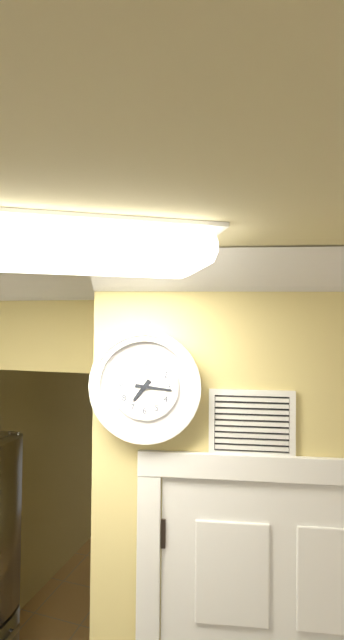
7:16
